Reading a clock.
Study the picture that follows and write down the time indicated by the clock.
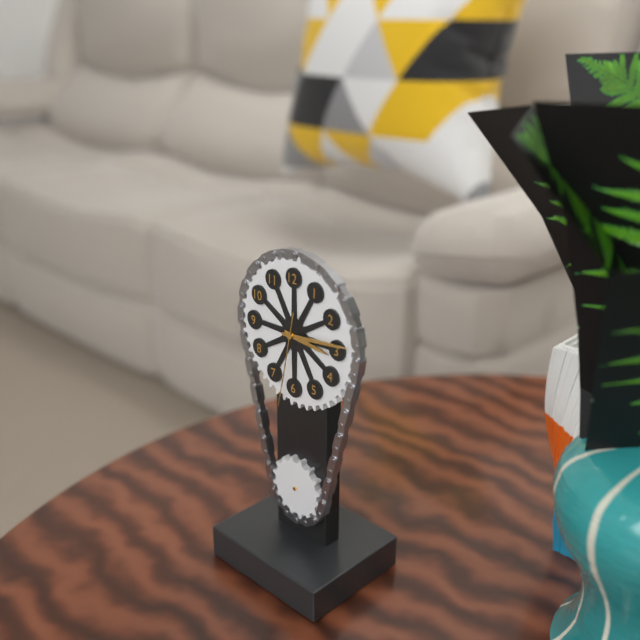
3:14:32
